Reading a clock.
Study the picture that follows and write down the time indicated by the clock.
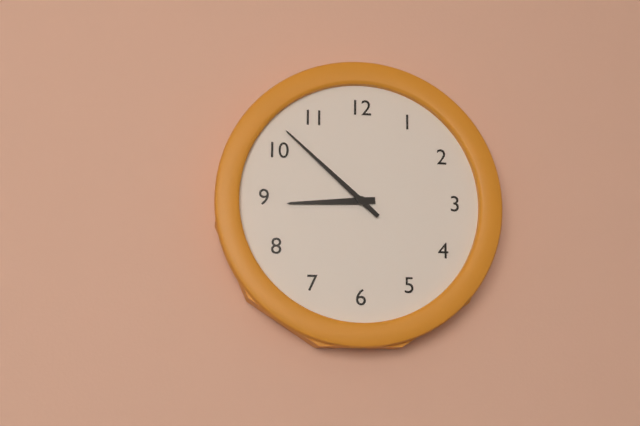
8:52
